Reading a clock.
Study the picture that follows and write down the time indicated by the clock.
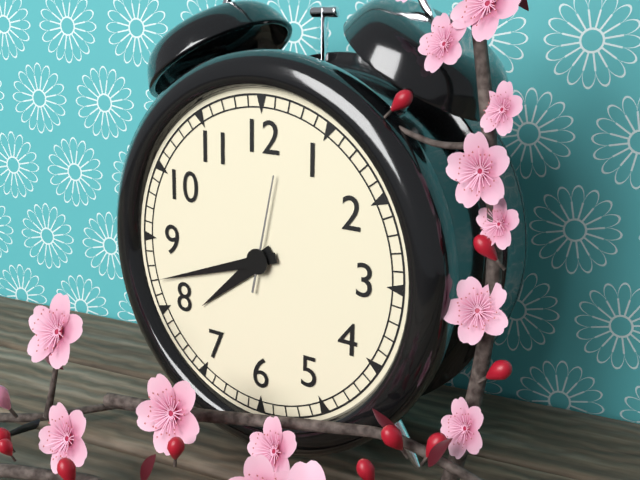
7:42:02
